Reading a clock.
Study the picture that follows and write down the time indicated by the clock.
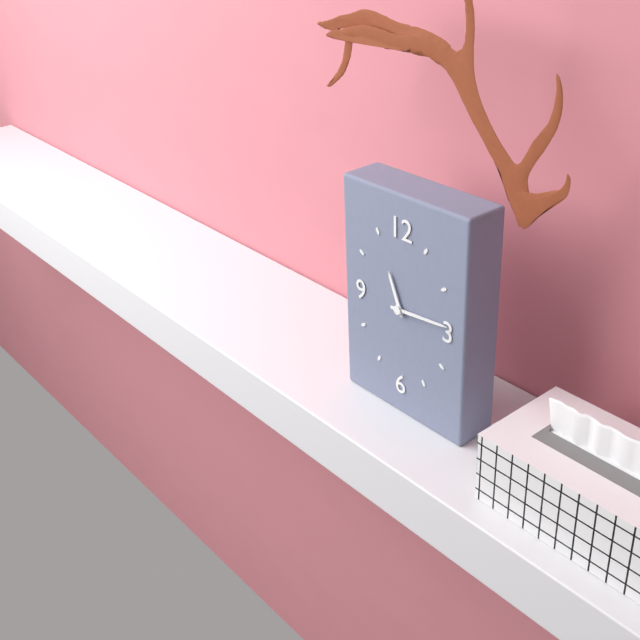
11:14
